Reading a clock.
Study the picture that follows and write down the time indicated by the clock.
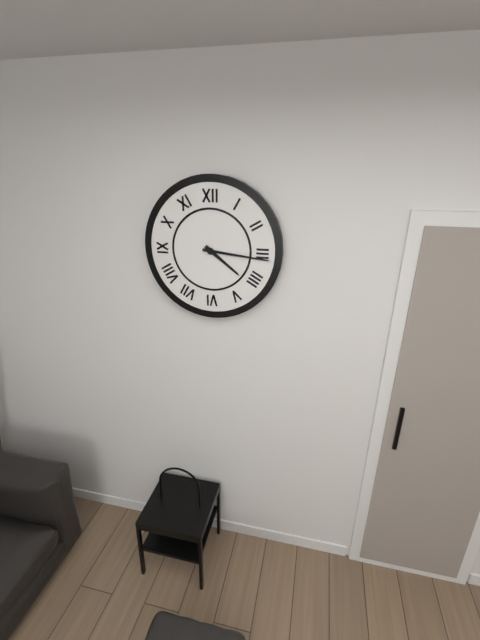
4:16
